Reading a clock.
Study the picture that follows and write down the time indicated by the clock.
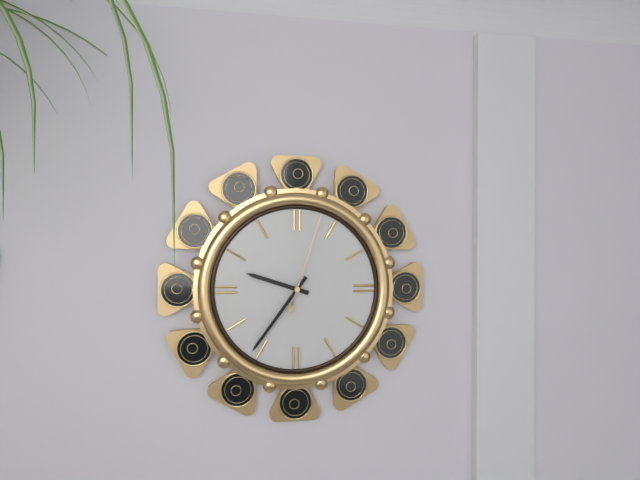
9:36:03
